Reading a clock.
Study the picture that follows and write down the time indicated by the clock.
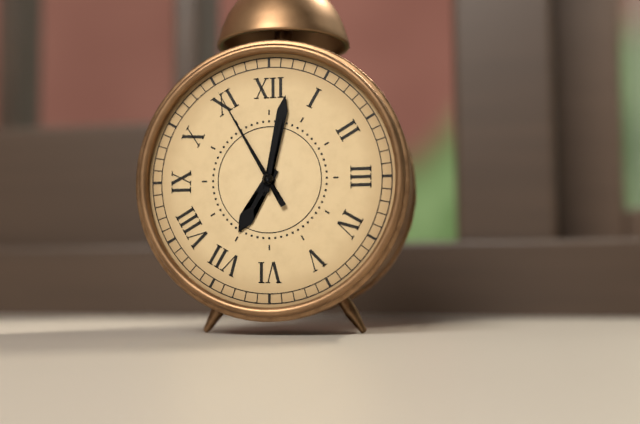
7:02:55
